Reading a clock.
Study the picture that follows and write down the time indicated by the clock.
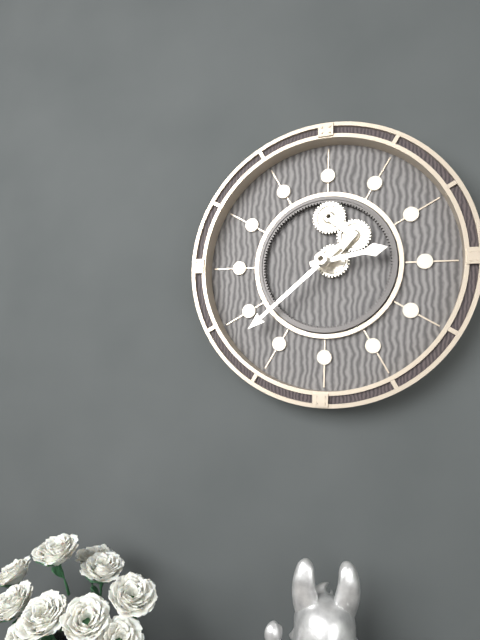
2:38
